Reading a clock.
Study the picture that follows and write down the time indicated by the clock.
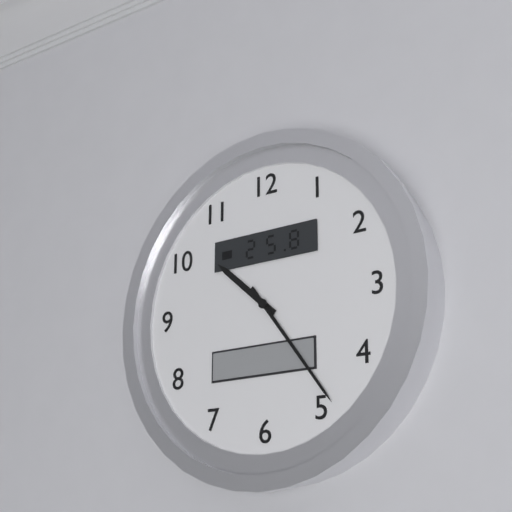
10:24
